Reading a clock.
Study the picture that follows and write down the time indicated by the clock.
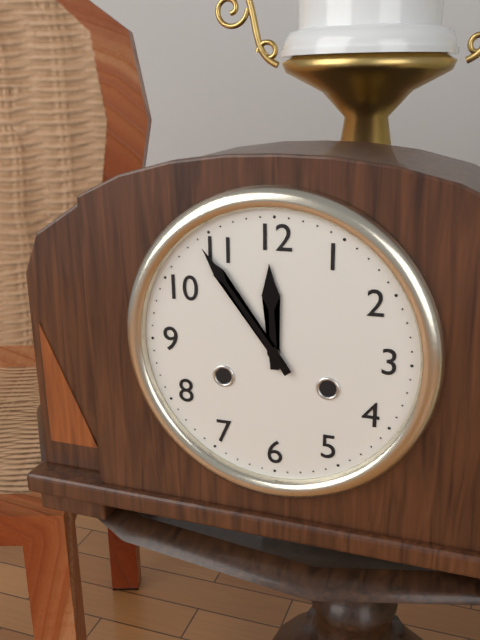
11:54
